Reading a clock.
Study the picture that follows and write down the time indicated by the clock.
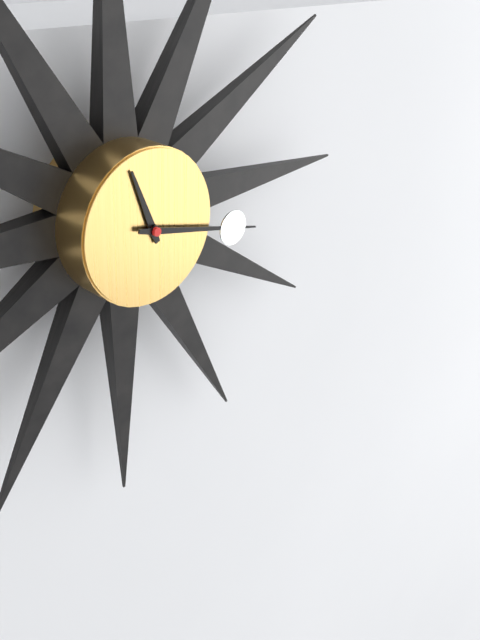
11:17
